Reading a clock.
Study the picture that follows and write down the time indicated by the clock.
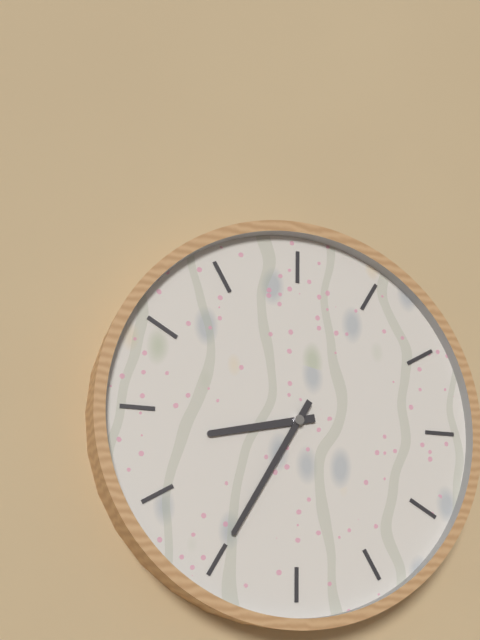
8:35
